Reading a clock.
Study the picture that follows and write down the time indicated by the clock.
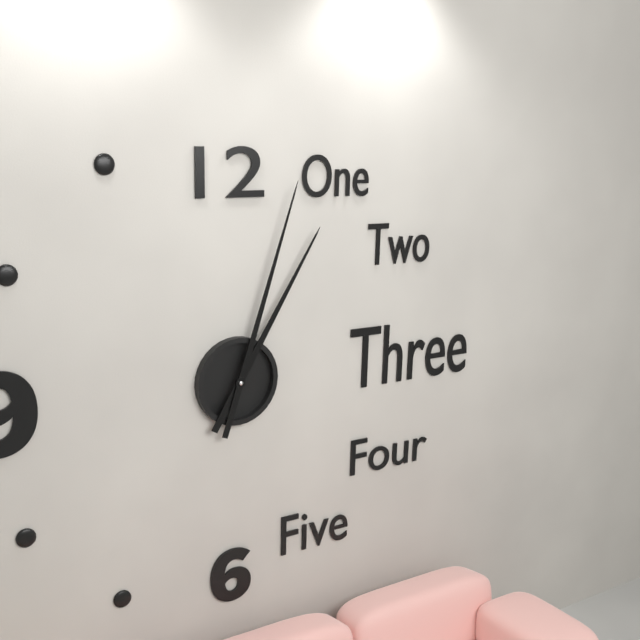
1:03
